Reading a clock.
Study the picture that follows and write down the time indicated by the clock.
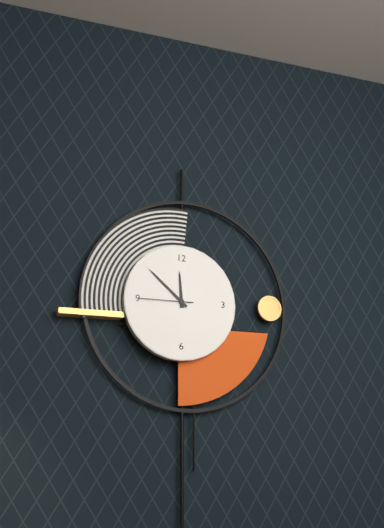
11:52:45
